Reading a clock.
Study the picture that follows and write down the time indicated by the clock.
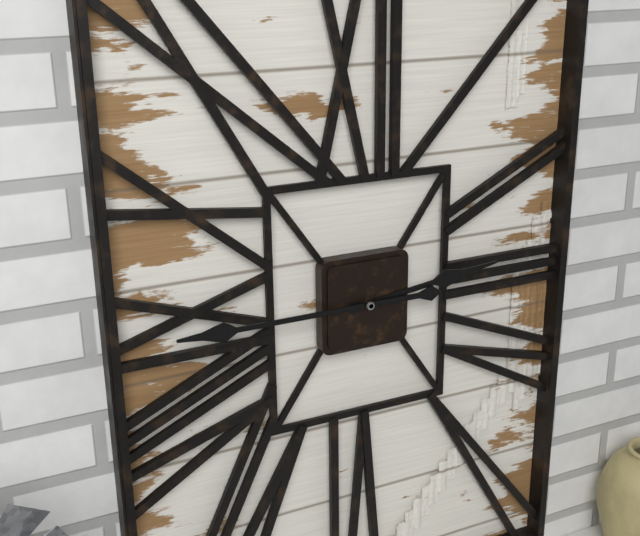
2:45
